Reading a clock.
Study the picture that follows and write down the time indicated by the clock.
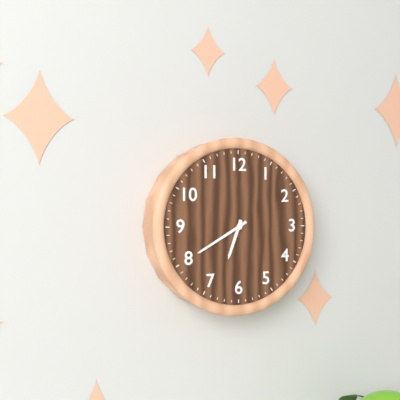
6:40
